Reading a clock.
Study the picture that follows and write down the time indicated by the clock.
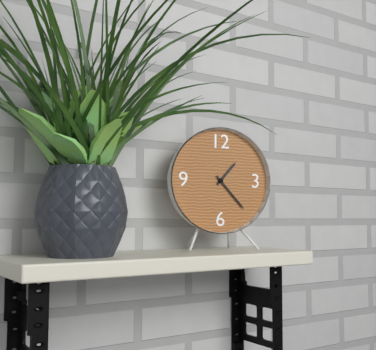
1:23
